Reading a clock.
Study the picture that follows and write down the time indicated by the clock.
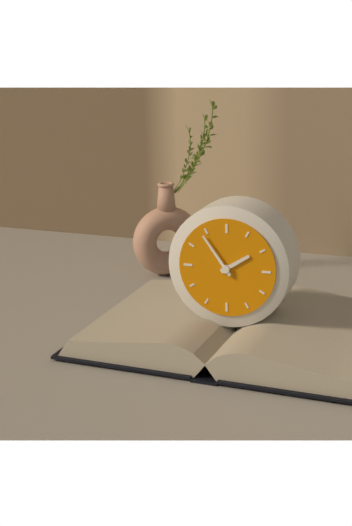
1:54
